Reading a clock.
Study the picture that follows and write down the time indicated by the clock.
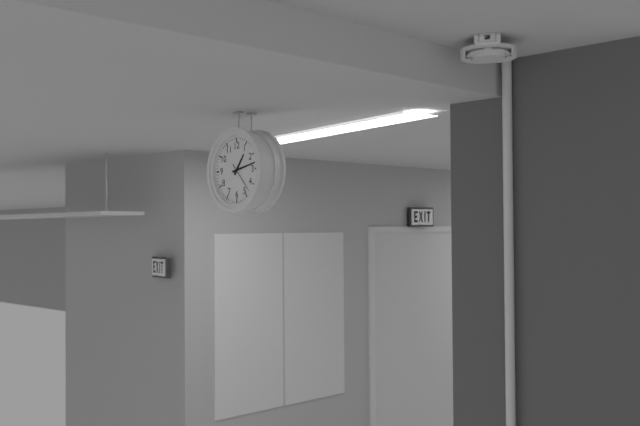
1:13
